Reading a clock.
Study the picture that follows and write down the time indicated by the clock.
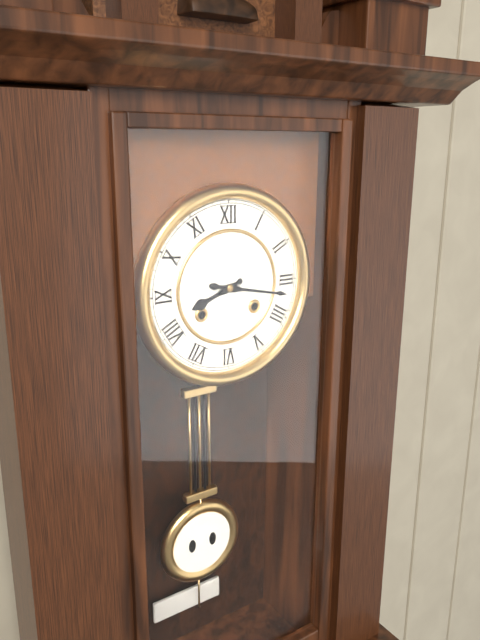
8:17
